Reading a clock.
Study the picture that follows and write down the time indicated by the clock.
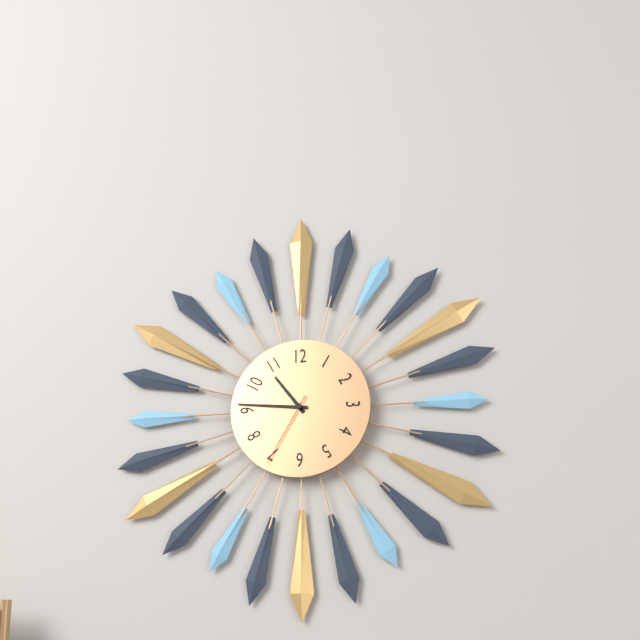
10:46:35
